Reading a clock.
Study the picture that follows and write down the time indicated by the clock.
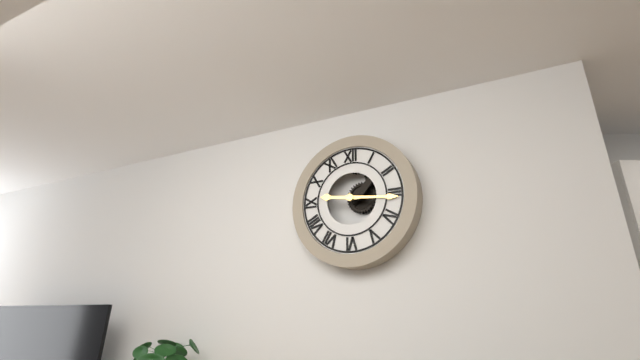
9:16
